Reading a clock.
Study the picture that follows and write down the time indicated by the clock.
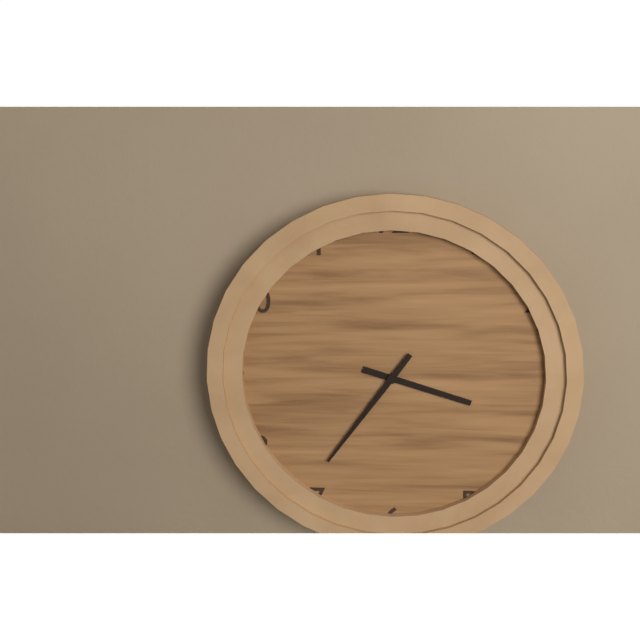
3:36
